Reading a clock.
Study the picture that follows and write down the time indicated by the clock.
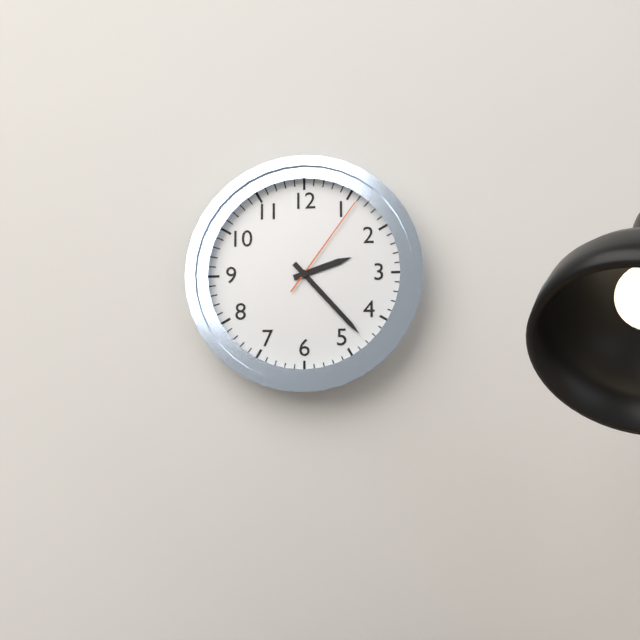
2:23:06
